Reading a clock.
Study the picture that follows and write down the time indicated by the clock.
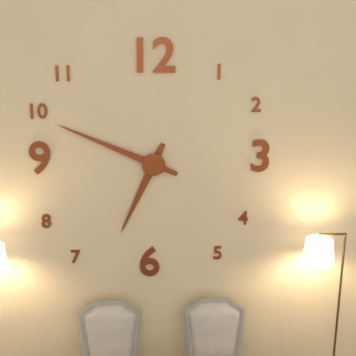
6:49
